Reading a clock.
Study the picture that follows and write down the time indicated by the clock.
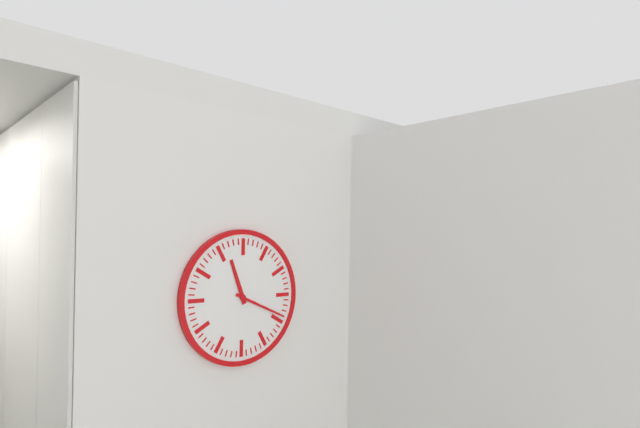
11:19
